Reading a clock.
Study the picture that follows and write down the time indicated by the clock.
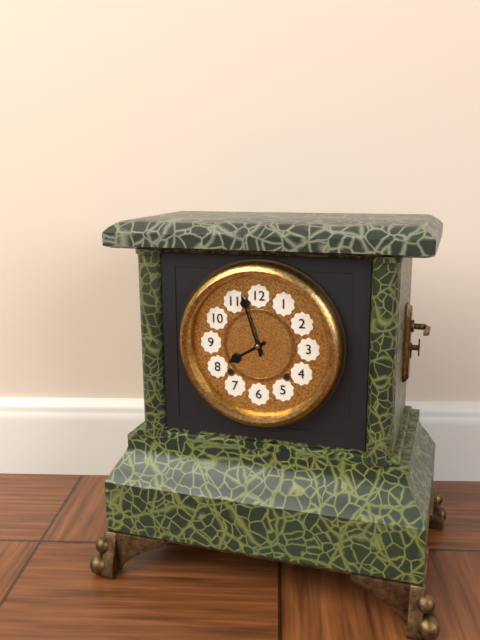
7:57
